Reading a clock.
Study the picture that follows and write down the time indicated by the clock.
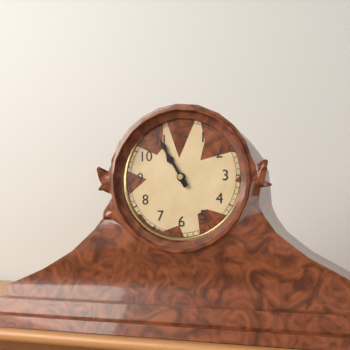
10:55
